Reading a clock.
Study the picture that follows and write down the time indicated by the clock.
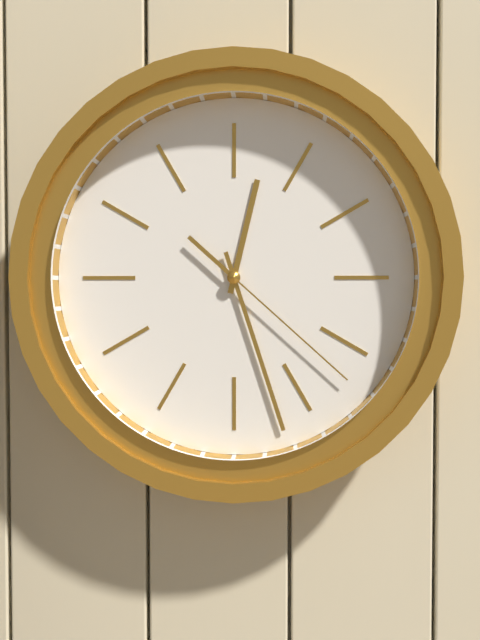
12:27:22
